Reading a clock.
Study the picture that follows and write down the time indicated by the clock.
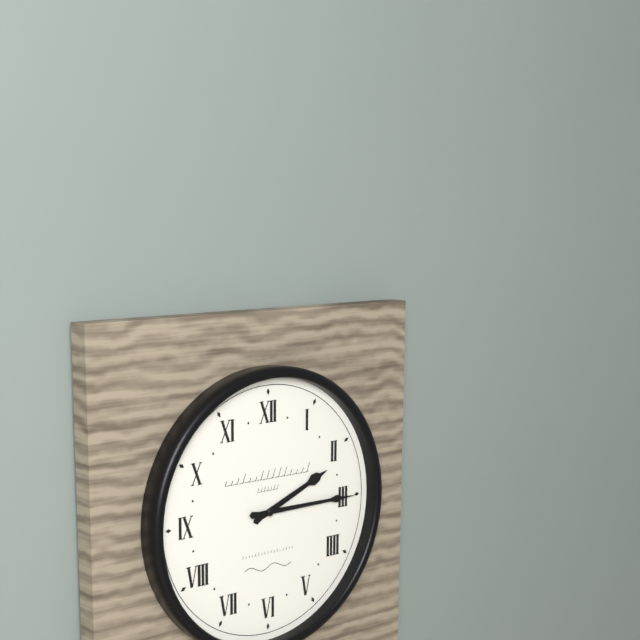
2:15
